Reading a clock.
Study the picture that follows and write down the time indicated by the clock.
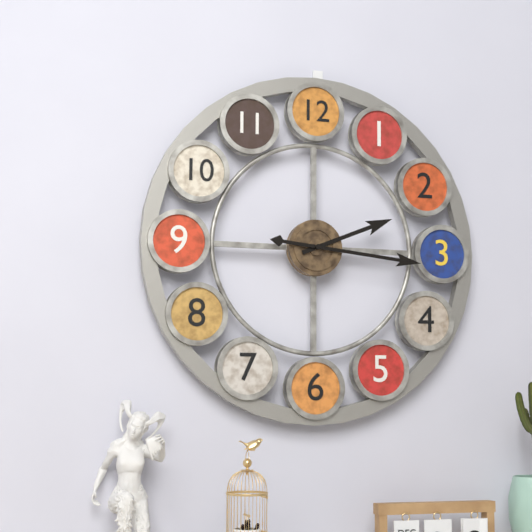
2:16
